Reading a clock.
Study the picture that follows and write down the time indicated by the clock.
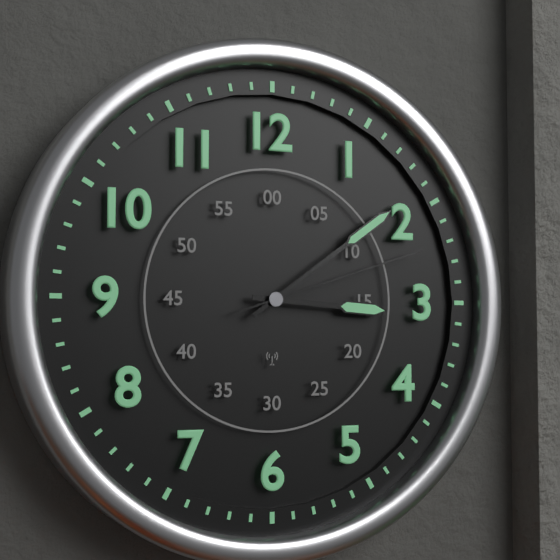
3:09:12
